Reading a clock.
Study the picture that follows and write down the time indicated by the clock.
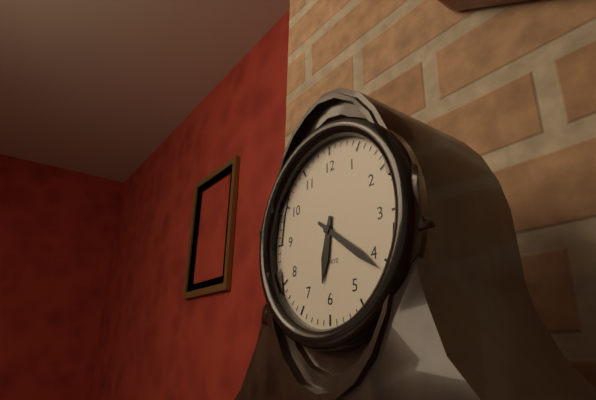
6:21
